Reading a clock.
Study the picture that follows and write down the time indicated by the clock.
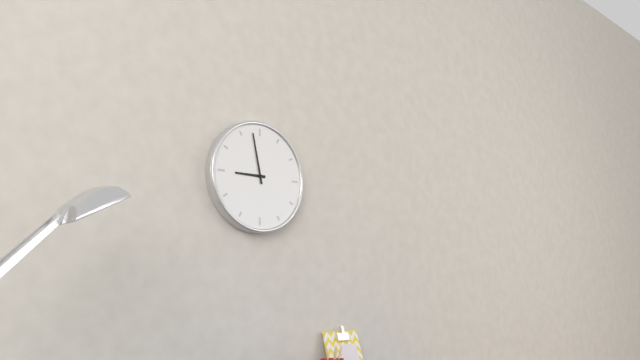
8:58
